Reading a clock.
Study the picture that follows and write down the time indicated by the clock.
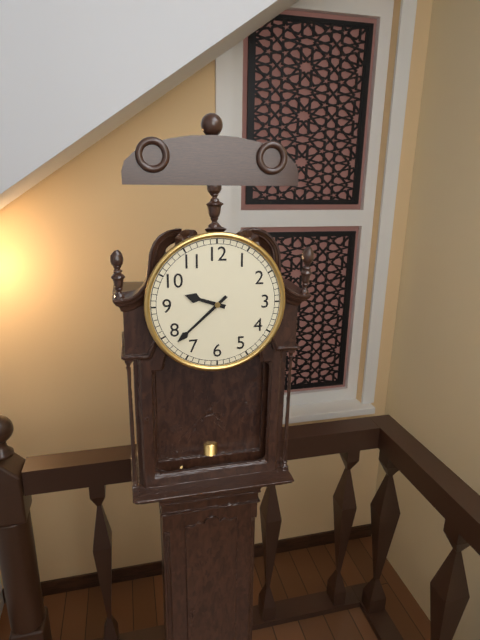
9:38
